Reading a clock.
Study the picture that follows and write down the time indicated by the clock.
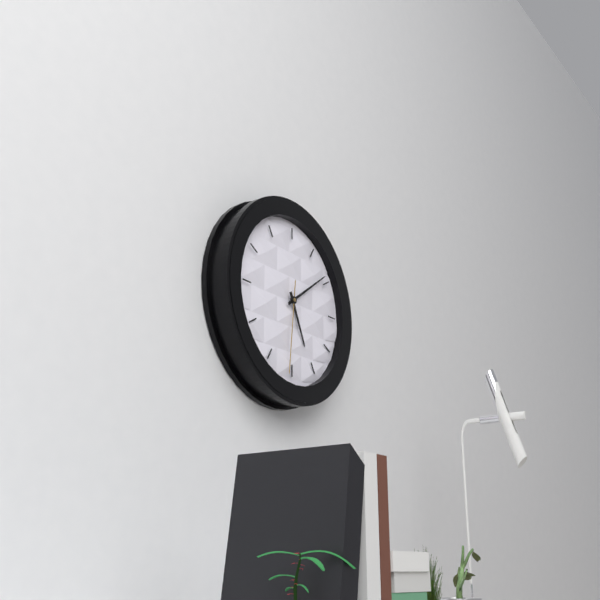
5:09:31
